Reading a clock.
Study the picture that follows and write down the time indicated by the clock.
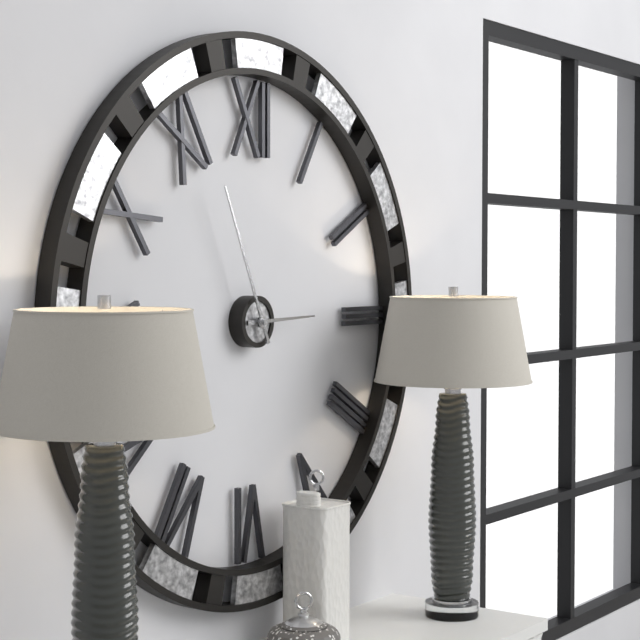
2:56
